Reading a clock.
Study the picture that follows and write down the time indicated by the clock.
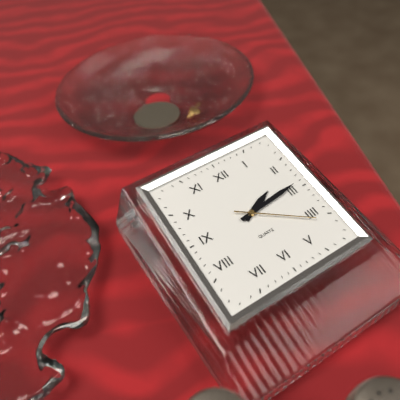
2:14:21
